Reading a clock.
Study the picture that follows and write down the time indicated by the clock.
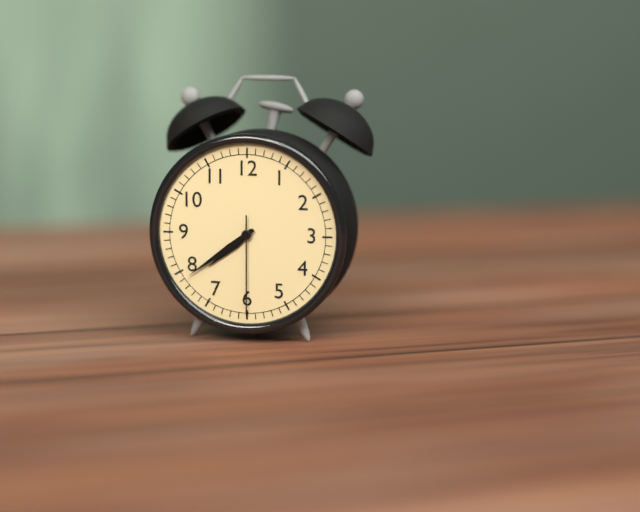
7:39:30
